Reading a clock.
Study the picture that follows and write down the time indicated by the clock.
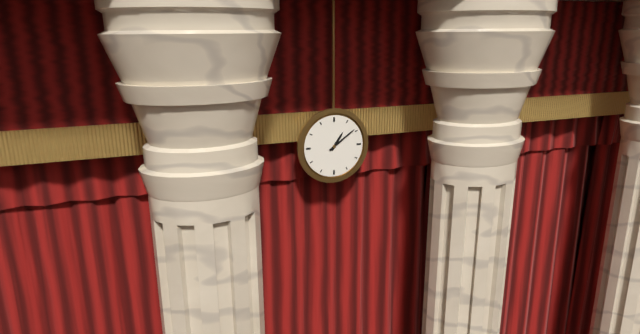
1:09
